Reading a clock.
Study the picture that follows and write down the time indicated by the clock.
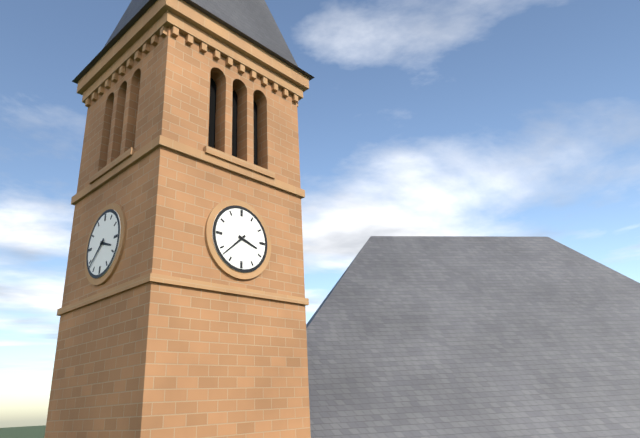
3:38
